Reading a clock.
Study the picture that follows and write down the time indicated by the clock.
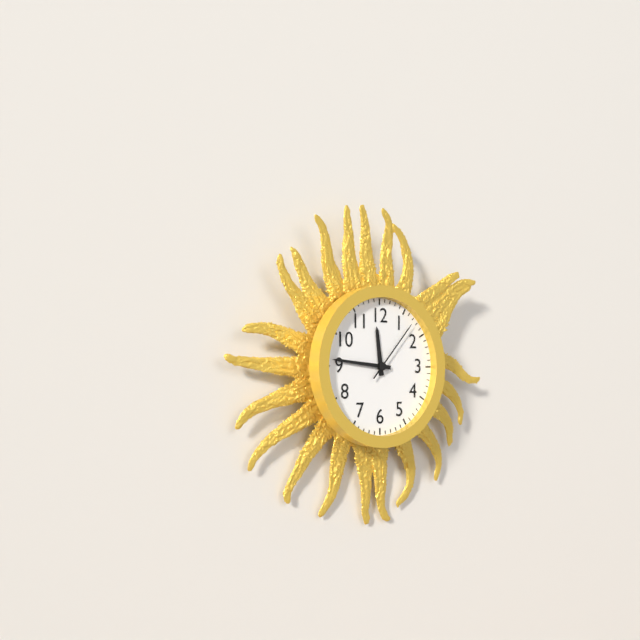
11:46:07
